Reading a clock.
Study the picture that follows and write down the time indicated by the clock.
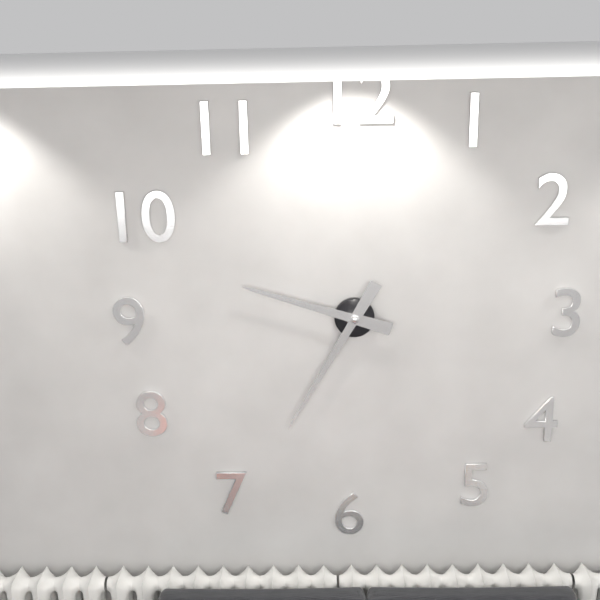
9:35
